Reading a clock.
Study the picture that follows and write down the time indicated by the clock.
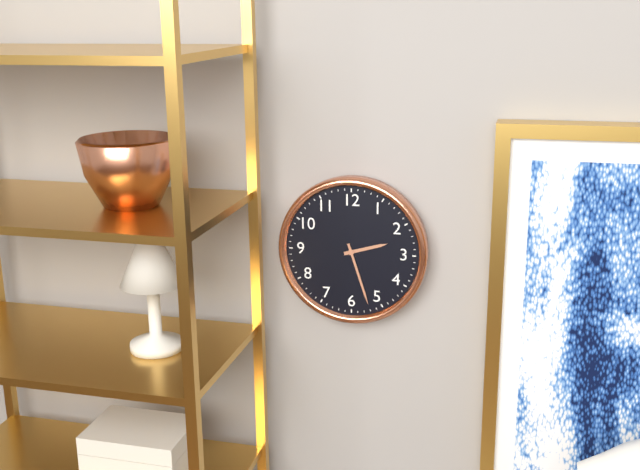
2:27
